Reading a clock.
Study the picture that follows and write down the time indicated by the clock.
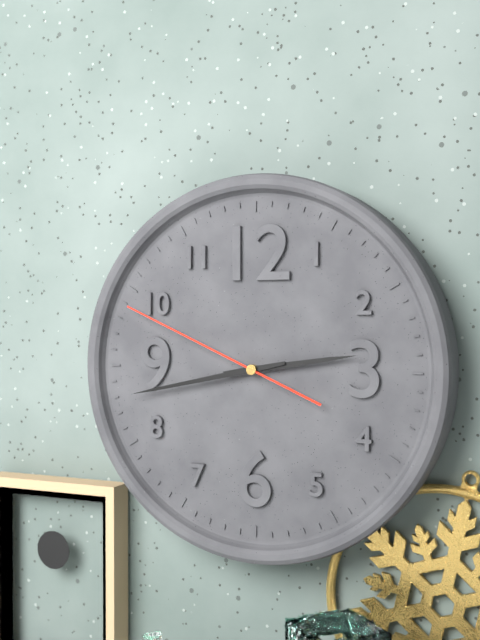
2:43:49
